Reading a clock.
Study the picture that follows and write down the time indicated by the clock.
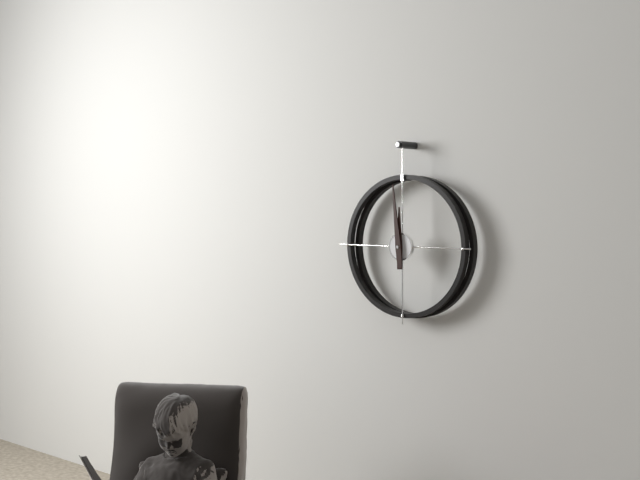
11:59
